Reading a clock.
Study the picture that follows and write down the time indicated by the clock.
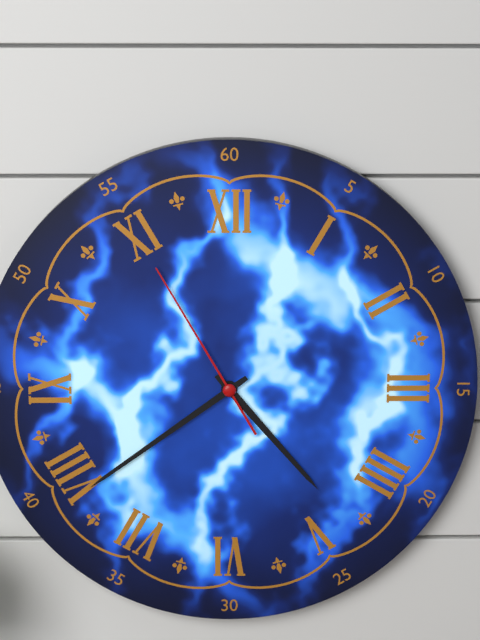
4:39:55
